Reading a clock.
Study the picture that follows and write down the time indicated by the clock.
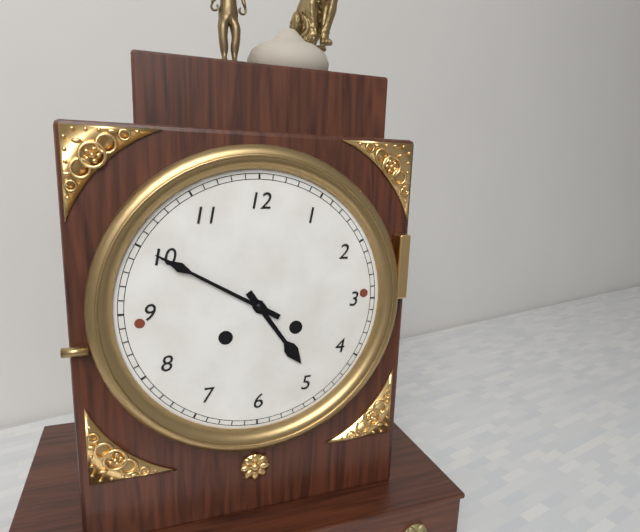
4:50
